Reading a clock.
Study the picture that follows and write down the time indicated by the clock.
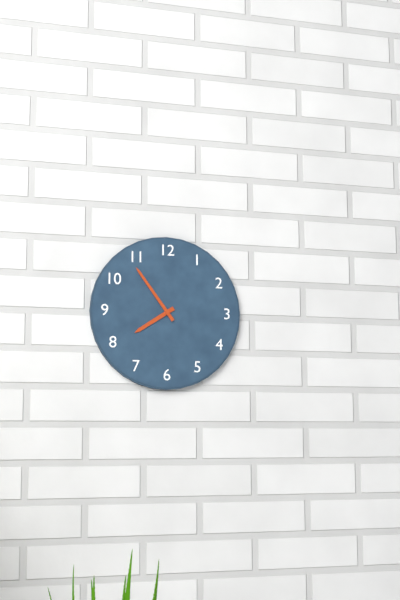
7:54
